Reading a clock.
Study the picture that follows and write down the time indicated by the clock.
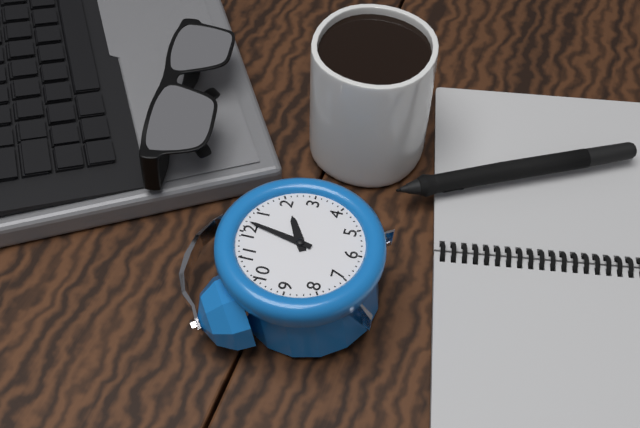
2:02
